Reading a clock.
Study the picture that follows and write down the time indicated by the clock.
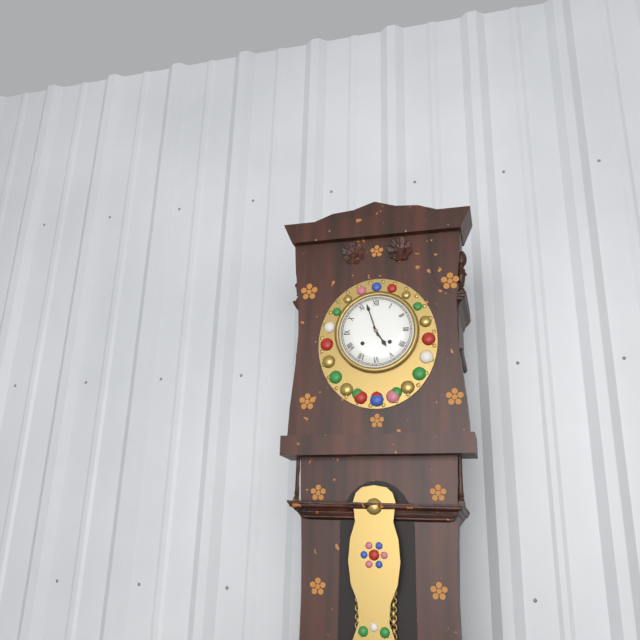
4:57
